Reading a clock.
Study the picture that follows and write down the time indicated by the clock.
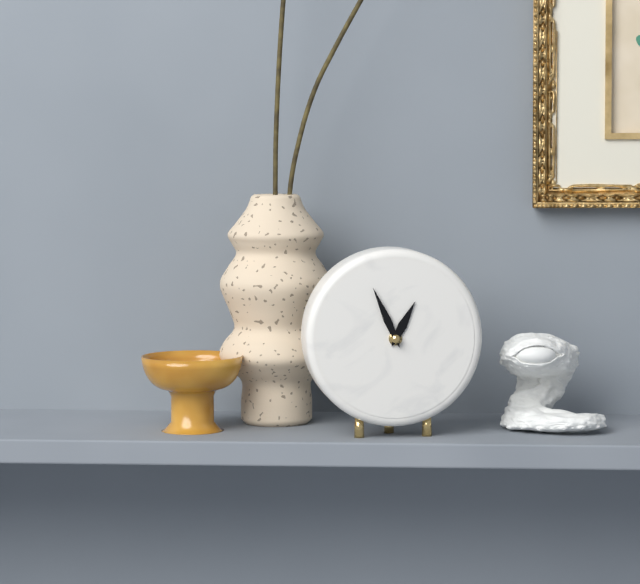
12:56
